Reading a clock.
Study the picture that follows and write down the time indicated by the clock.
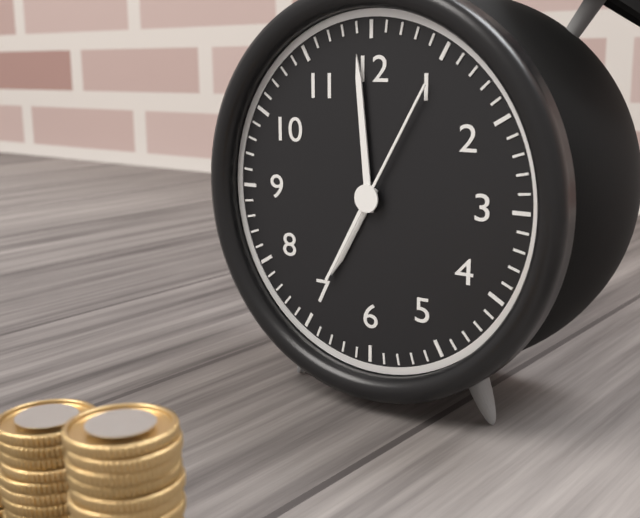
6:59:05
